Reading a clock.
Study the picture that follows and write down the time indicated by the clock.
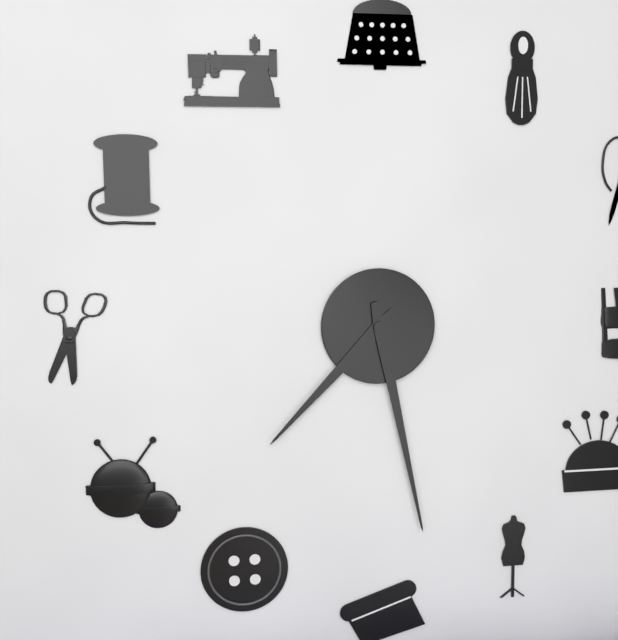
7:28
